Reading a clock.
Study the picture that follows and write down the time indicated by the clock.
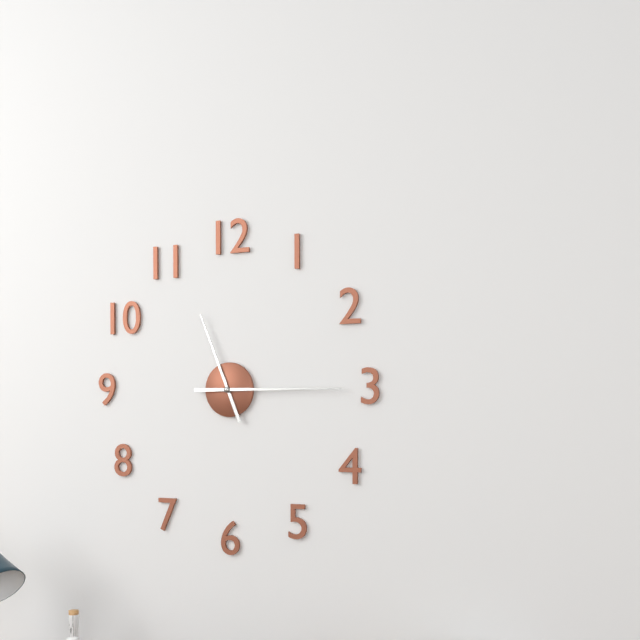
11:15
